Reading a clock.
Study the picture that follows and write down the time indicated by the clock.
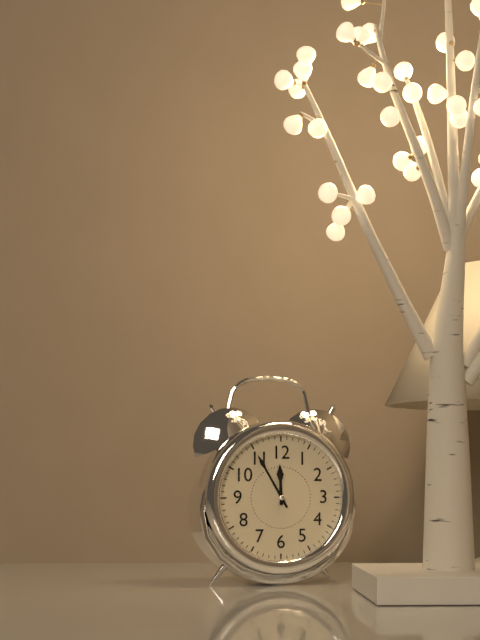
11:55
